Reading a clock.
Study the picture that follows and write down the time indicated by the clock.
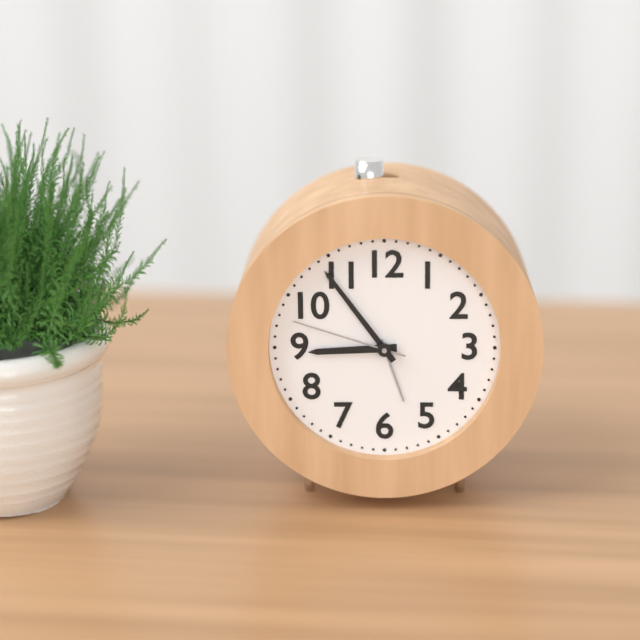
8:54:48
